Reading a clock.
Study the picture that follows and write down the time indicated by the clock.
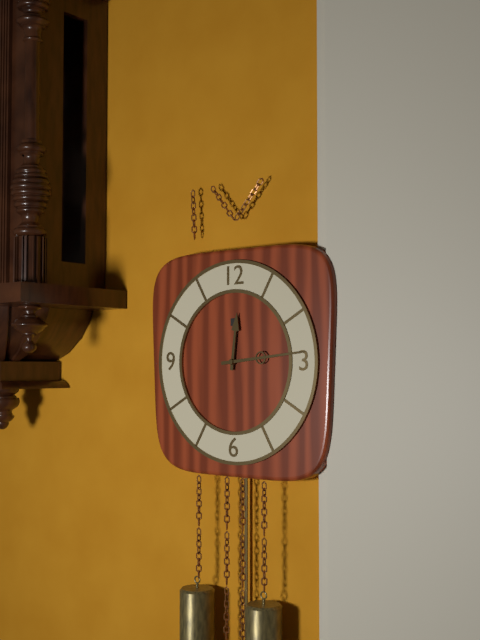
12:14
